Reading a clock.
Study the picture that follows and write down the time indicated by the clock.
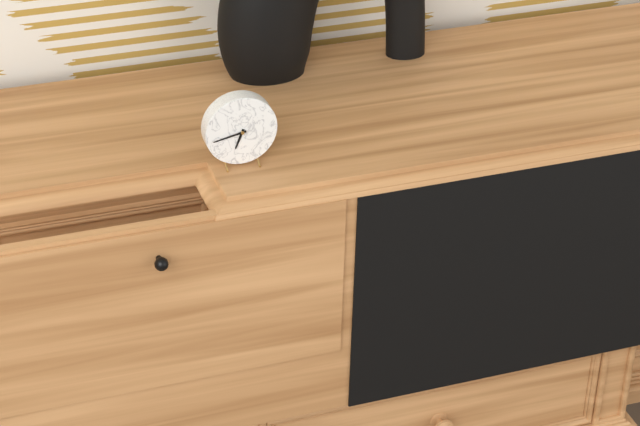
6:43
